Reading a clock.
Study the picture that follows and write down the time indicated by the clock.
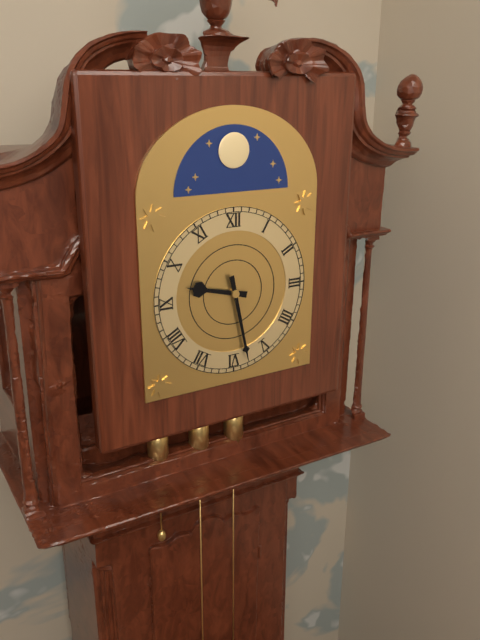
9:28
